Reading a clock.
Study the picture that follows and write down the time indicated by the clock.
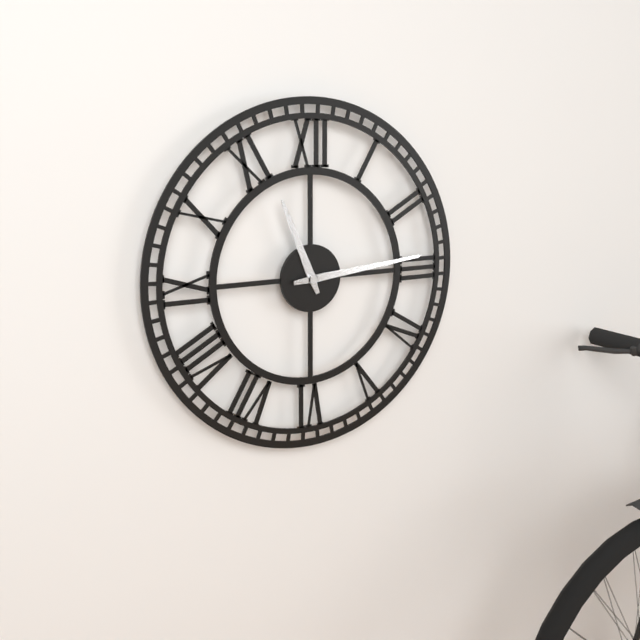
11:14
